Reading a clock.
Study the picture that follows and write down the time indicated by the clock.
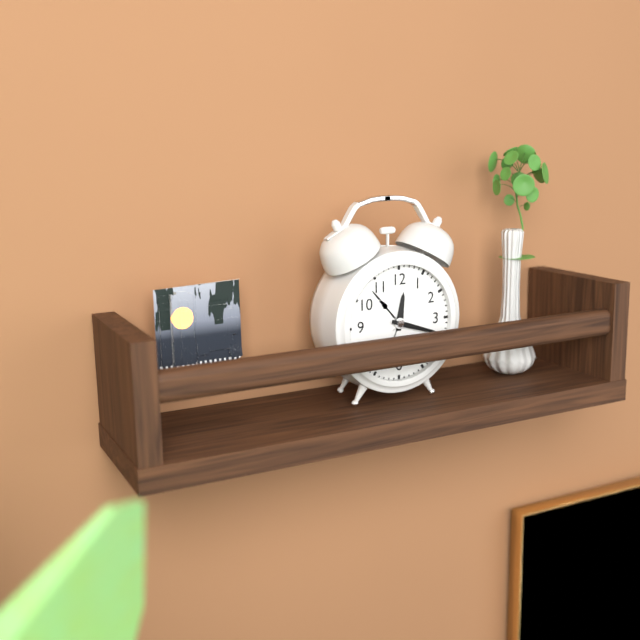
12:18
